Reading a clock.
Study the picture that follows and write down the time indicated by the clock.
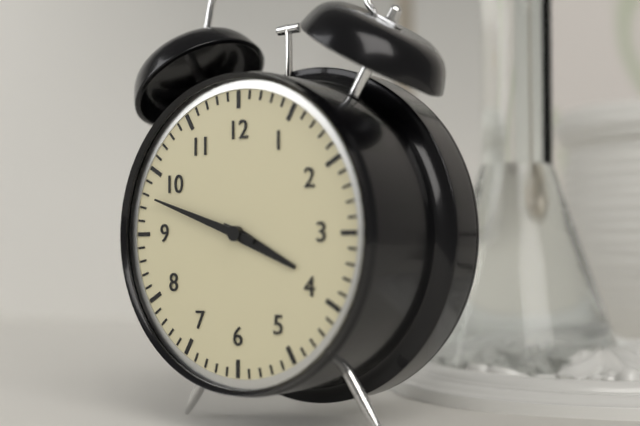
3:48
